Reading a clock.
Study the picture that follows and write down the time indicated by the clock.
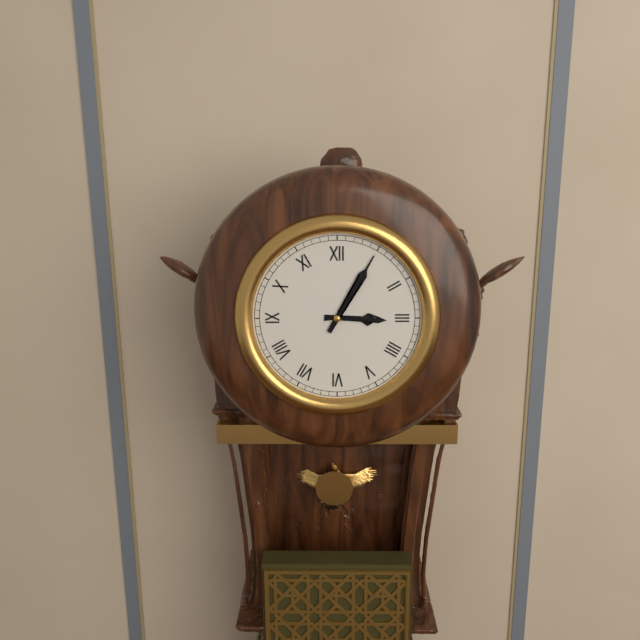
3:05
